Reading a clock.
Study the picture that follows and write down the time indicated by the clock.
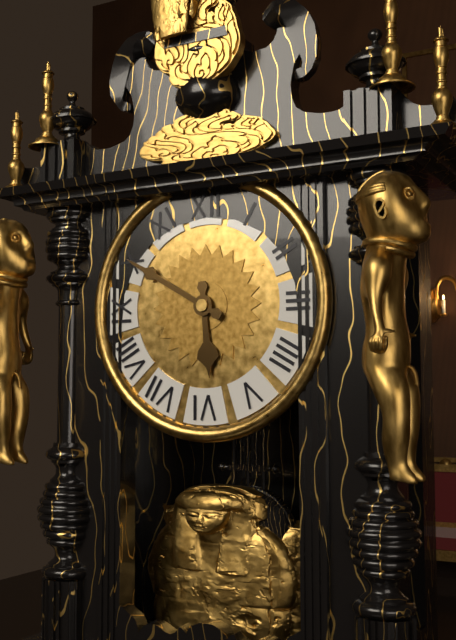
5:50
